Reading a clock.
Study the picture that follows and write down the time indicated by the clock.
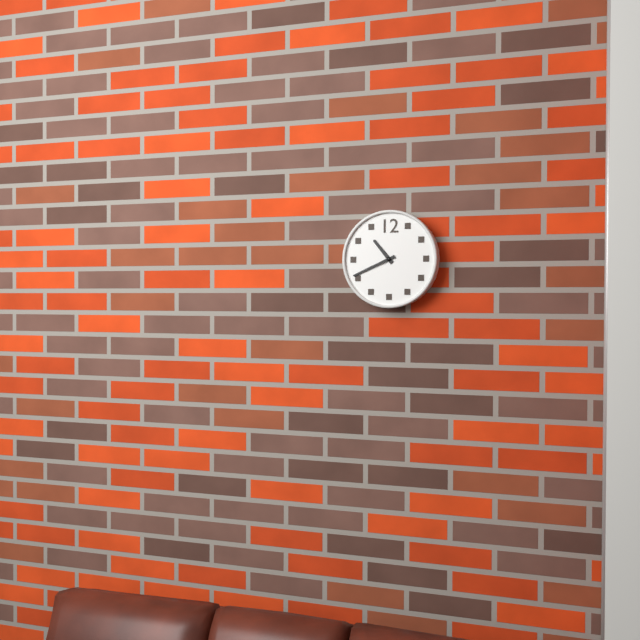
10:41
